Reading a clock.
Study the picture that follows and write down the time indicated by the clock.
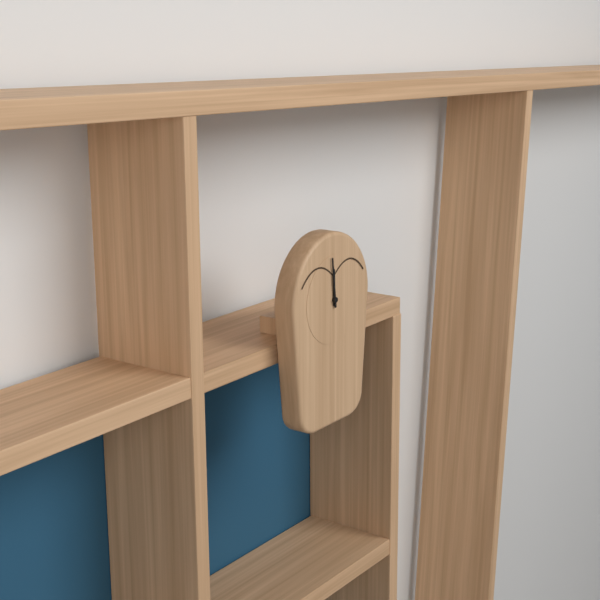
11:59
